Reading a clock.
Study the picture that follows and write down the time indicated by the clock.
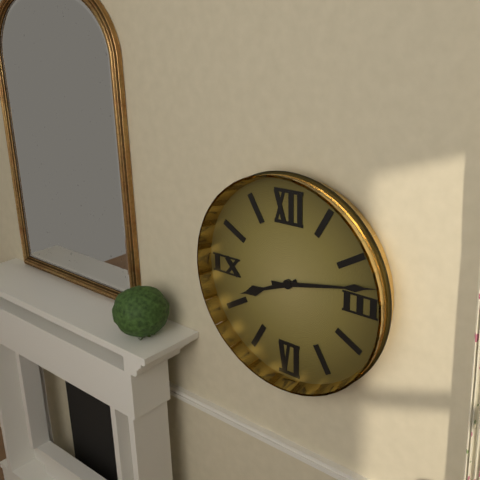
8:13
